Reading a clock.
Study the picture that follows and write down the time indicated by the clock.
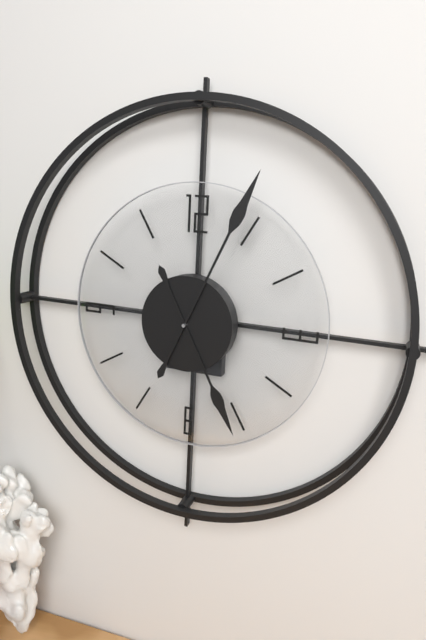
5:04
